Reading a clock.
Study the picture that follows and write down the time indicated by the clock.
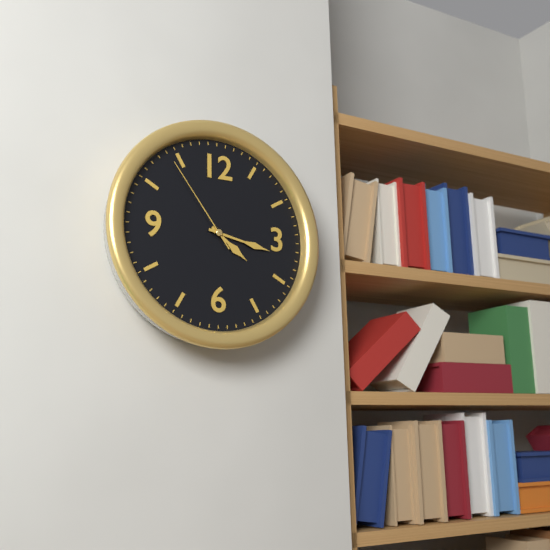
4:17:54
